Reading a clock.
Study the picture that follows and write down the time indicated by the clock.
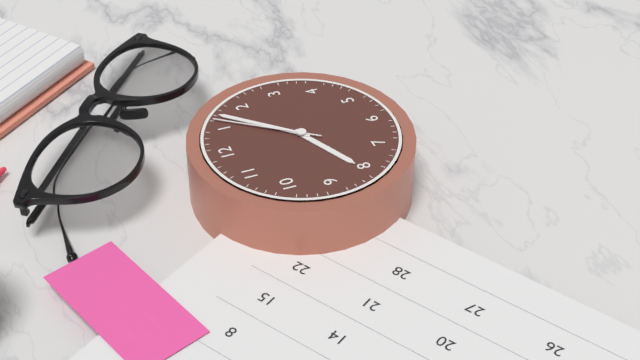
8:07:06
